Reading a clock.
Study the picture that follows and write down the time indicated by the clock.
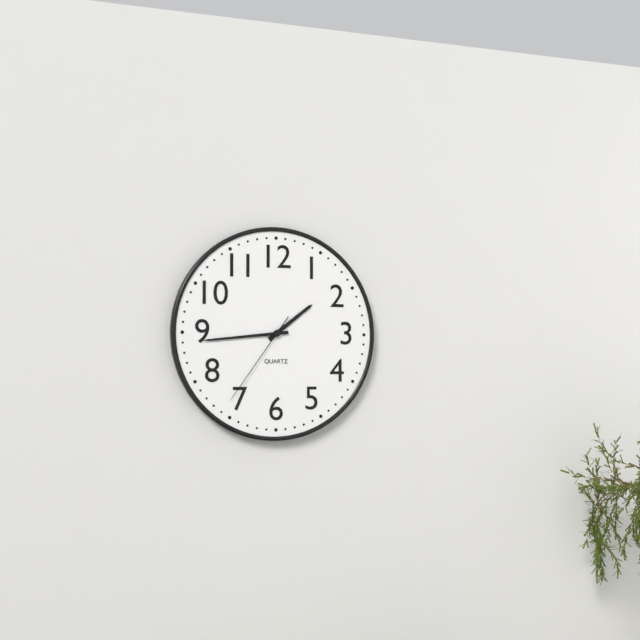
1:44:36
